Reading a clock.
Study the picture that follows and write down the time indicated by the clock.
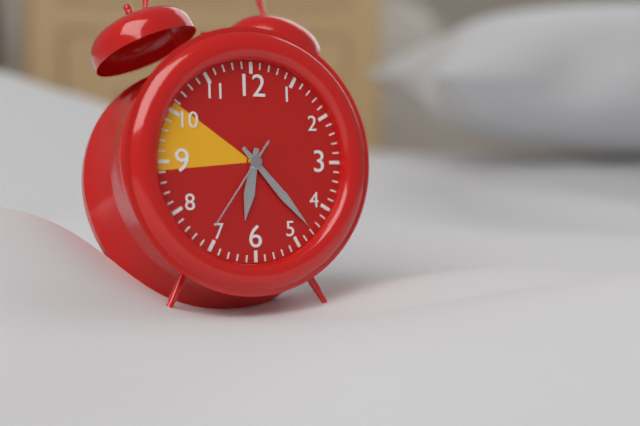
6:23:36
